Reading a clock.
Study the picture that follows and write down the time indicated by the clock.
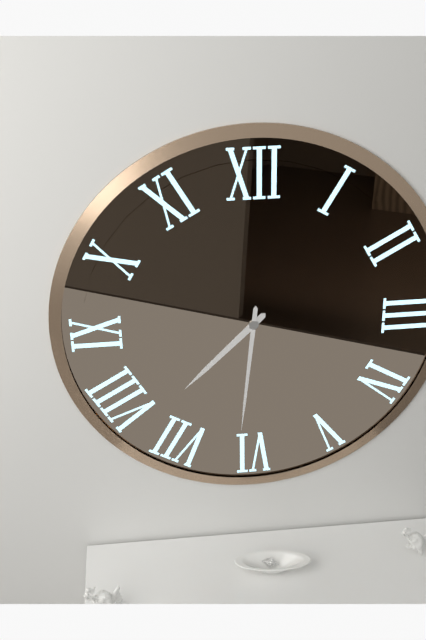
7:31
